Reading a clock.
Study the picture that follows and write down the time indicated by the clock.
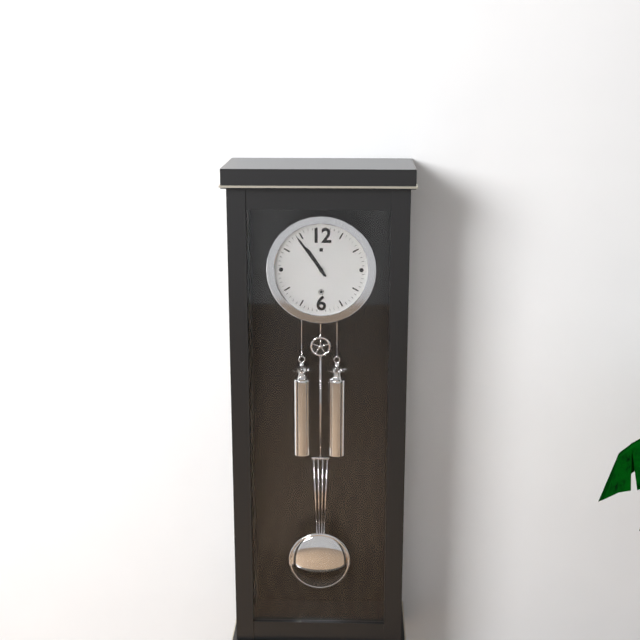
10:54
